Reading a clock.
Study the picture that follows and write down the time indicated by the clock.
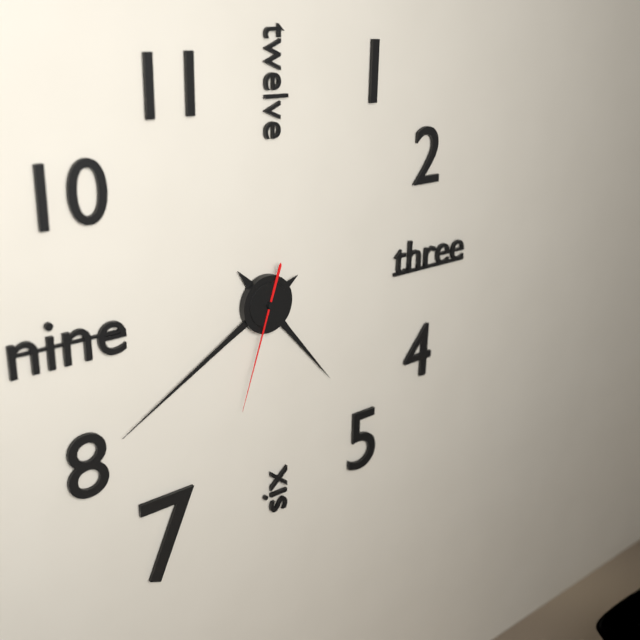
4:40:33
